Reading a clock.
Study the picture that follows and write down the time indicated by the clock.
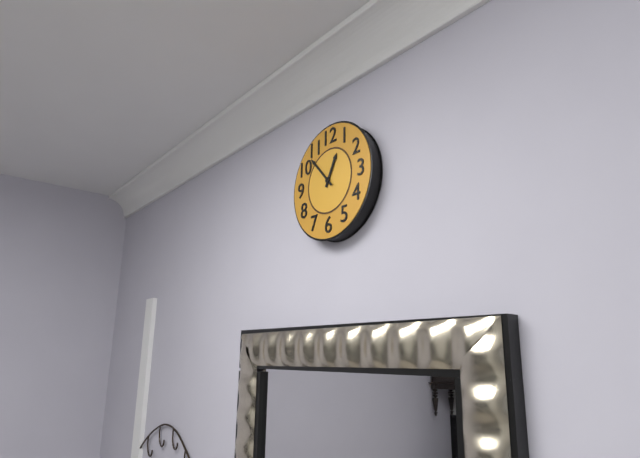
12:53
